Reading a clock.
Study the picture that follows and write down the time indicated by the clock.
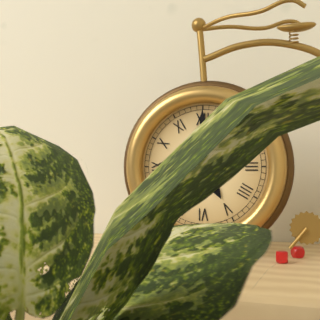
5:00
